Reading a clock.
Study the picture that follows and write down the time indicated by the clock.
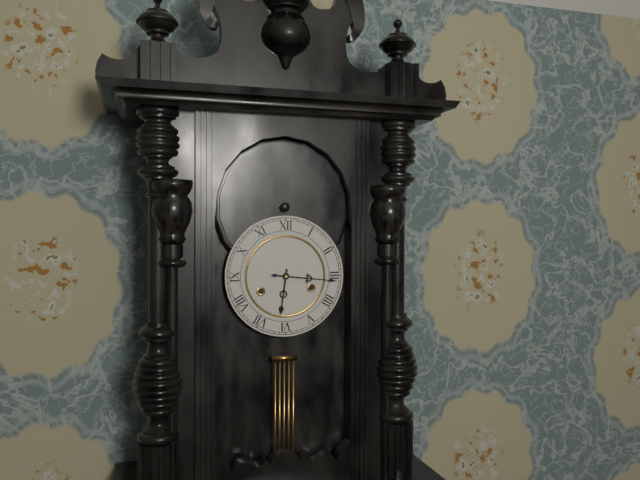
6:16
